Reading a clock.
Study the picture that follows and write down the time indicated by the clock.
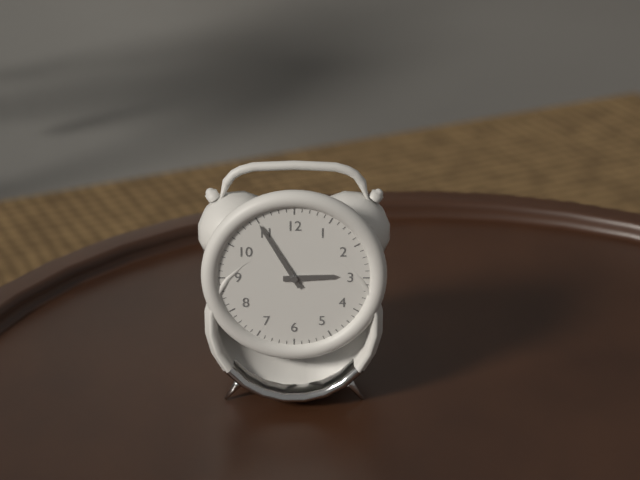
2:55
